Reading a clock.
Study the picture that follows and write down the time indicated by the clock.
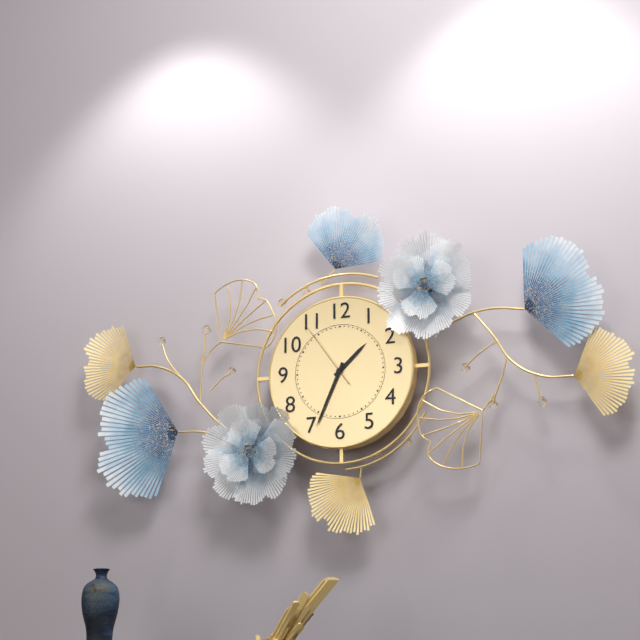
1:34:54
